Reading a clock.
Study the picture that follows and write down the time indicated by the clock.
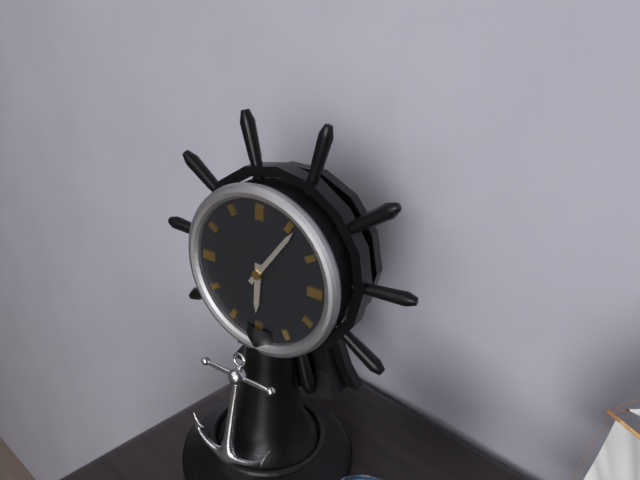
6:06
